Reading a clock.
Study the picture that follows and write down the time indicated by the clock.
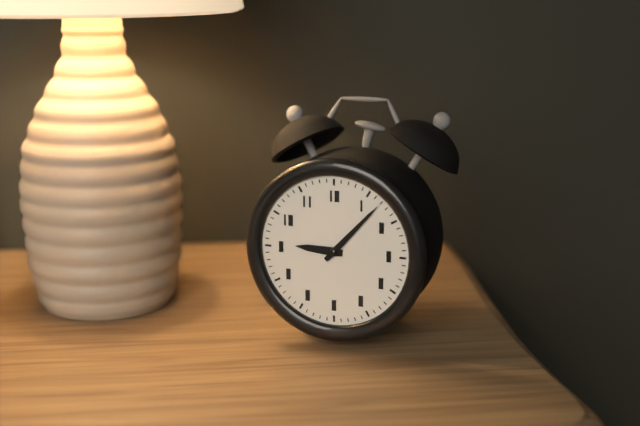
9:07
